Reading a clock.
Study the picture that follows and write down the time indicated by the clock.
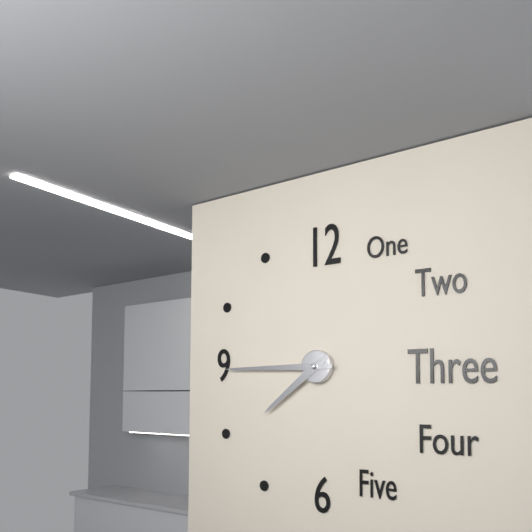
7:45
